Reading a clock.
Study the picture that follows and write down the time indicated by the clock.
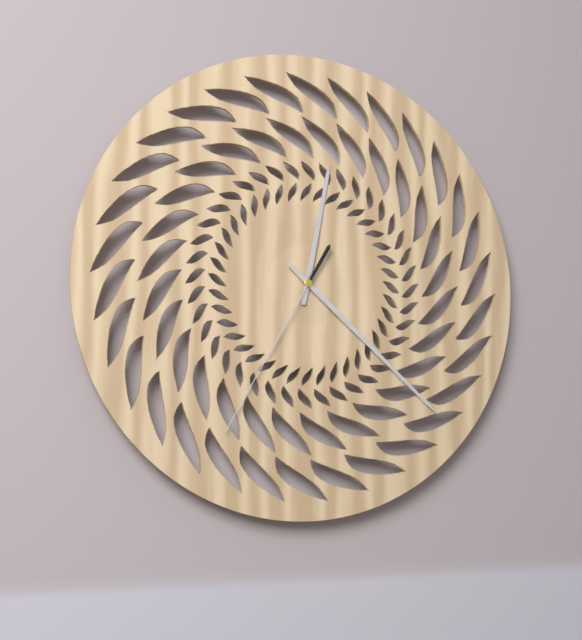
12:22:35
